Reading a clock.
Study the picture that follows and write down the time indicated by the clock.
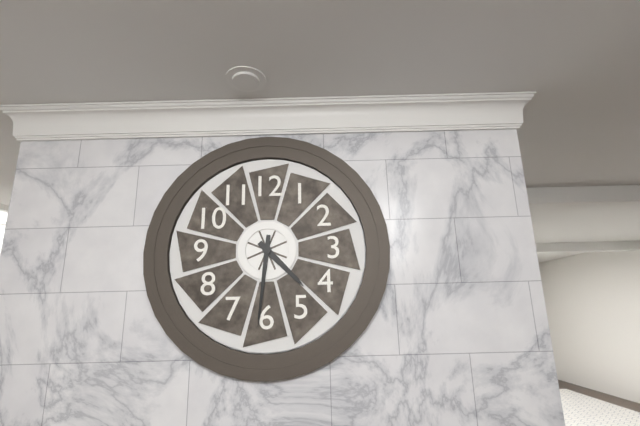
4:31
